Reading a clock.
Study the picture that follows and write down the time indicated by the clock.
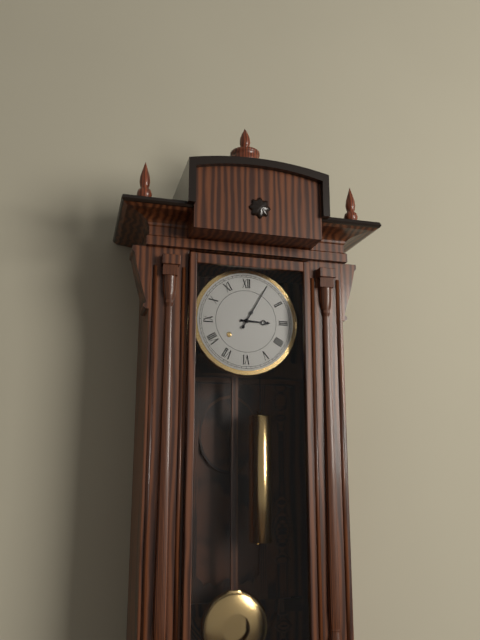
3:05
